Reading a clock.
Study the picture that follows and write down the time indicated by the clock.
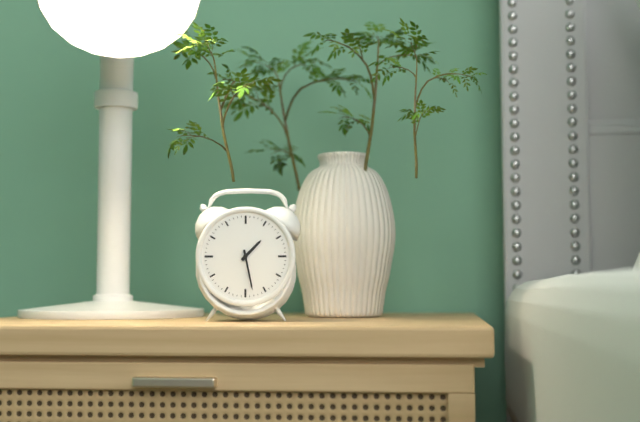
1:28
